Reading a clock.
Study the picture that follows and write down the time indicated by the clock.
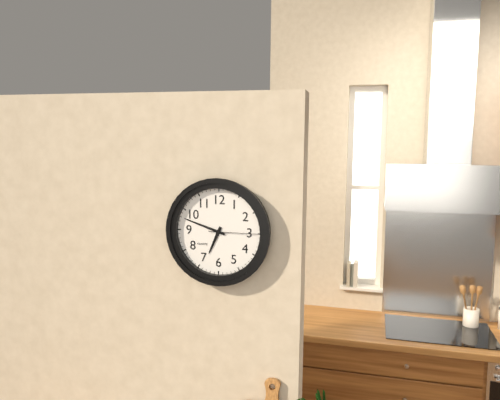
6:48
